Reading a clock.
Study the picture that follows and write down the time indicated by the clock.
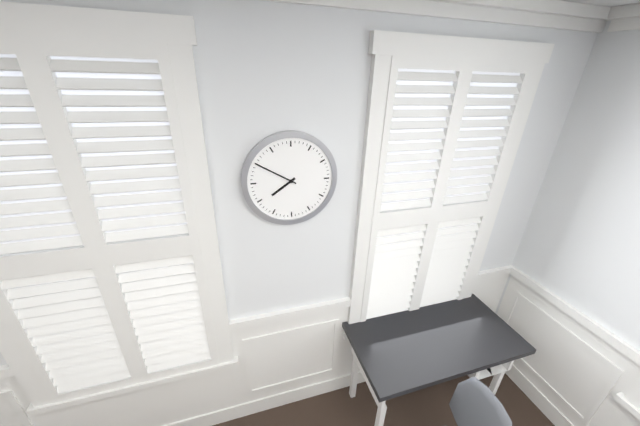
7:50
